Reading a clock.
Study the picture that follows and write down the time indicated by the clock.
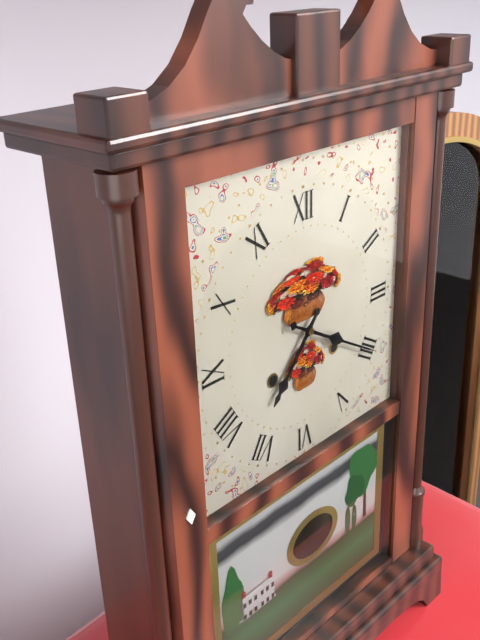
7:20
